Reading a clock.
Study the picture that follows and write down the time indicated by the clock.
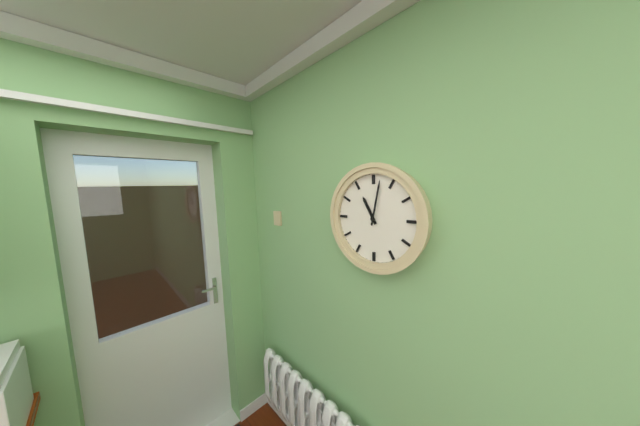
11:02
